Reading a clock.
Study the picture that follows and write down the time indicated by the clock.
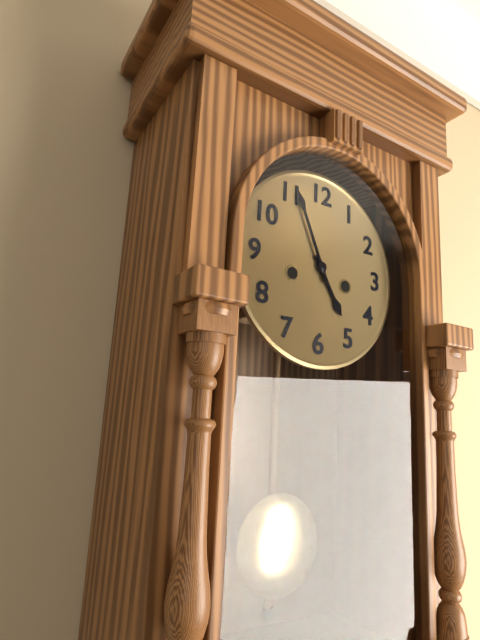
4:56
